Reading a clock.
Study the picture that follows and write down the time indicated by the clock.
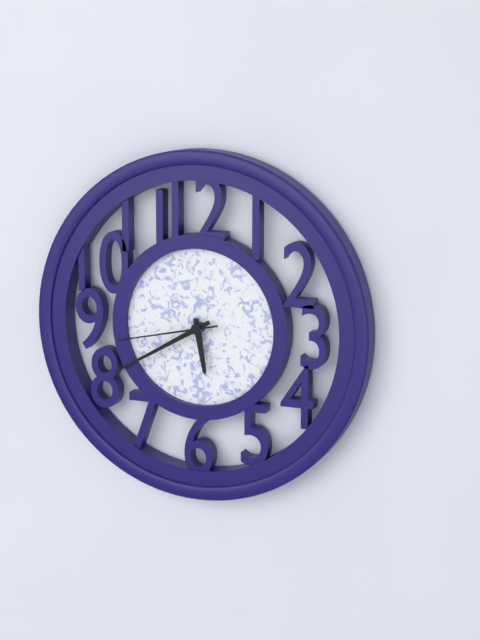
5:40:43
